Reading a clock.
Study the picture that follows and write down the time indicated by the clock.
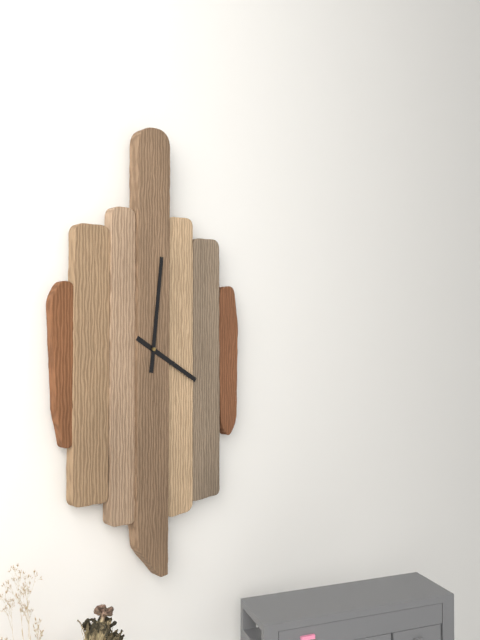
4:01
